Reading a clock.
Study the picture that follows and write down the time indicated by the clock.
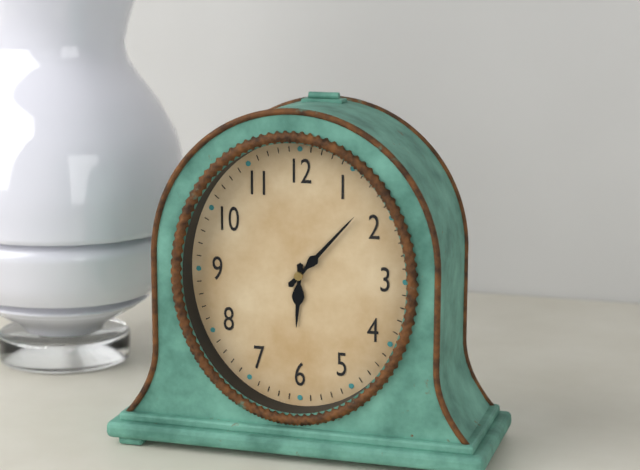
6:07
